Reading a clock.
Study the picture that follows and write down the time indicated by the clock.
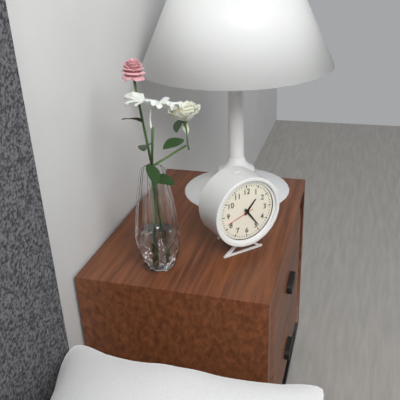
1:24
